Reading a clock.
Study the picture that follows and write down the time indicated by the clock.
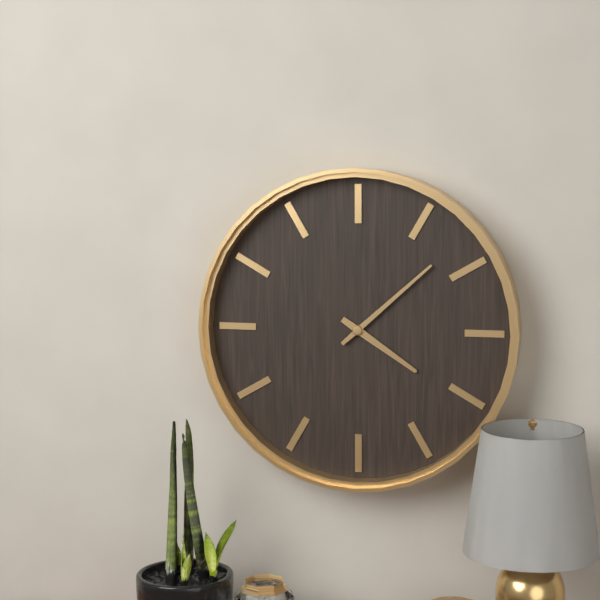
4:08
